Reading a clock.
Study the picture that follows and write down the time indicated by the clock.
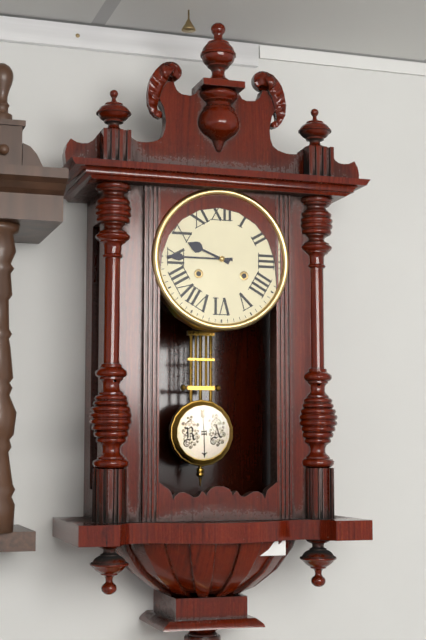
9:45
